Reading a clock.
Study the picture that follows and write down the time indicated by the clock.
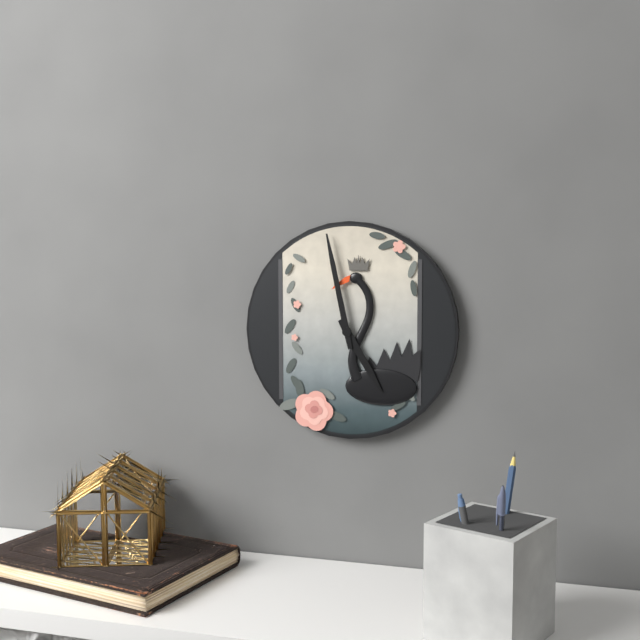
4:58
